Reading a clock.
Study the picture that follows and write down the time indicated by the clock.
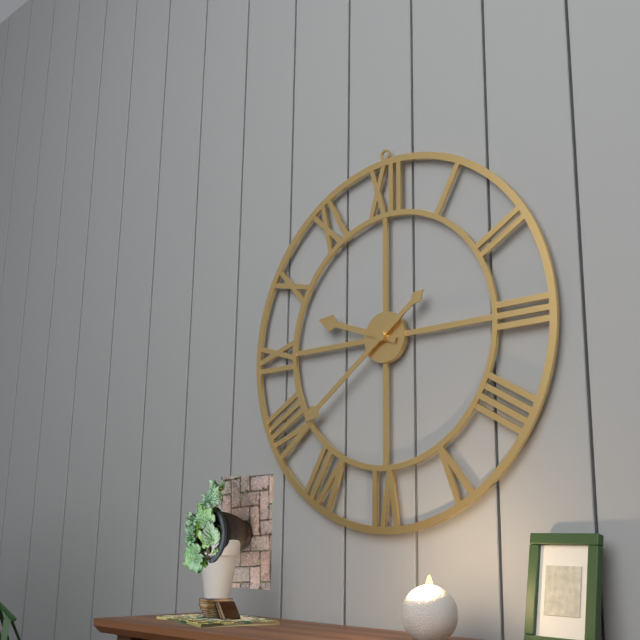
9:39
